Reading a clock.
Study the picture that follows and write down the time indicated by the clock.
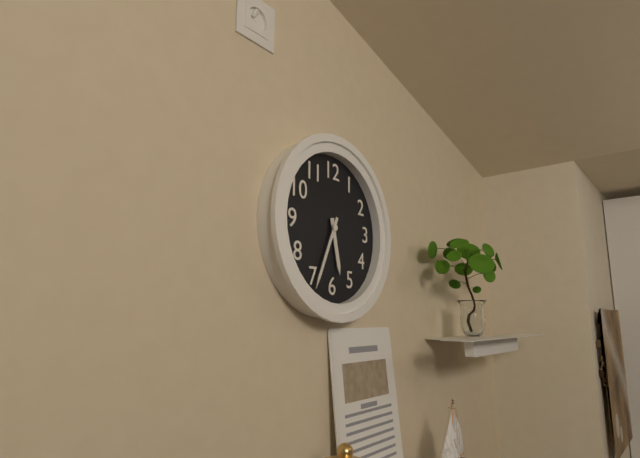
5:34
